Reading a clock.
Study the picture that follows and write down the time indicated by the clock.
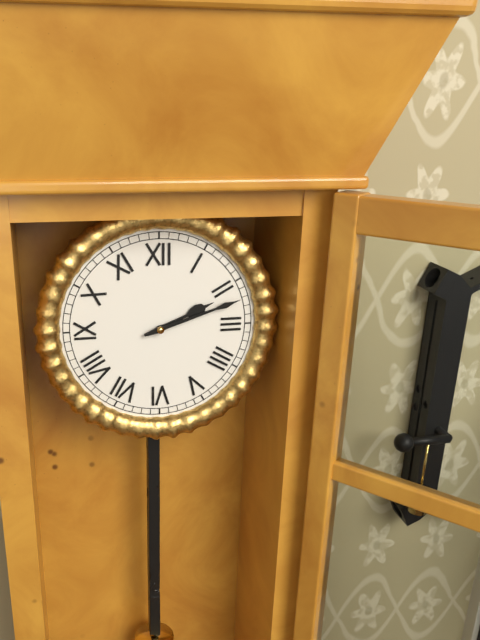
2:12
